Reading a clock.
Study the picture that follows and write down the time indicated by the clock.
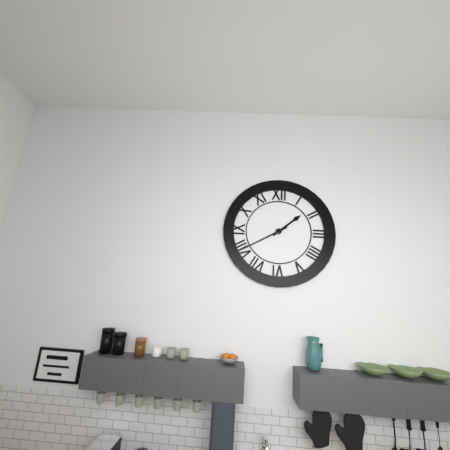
1:40
